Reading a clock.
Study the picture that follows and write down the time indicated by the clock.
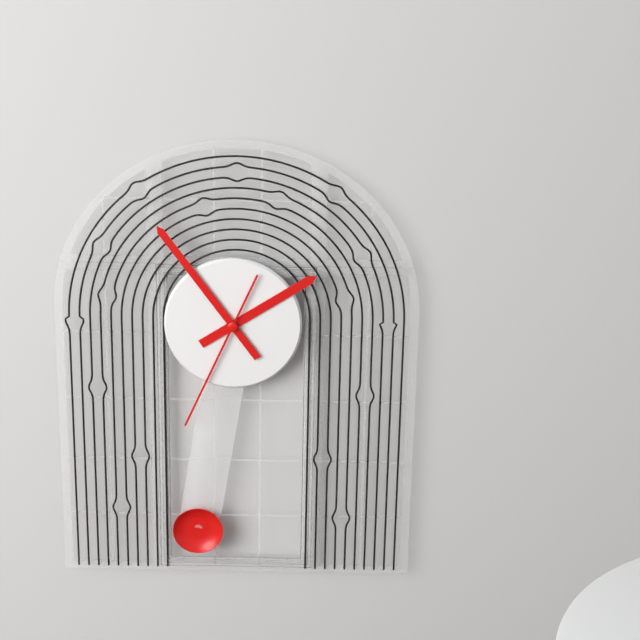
1:54:34
